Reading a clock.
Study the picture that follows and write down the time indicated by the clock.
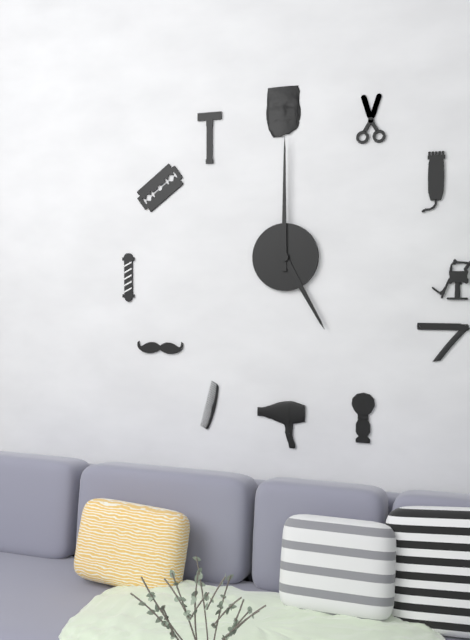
5:00
